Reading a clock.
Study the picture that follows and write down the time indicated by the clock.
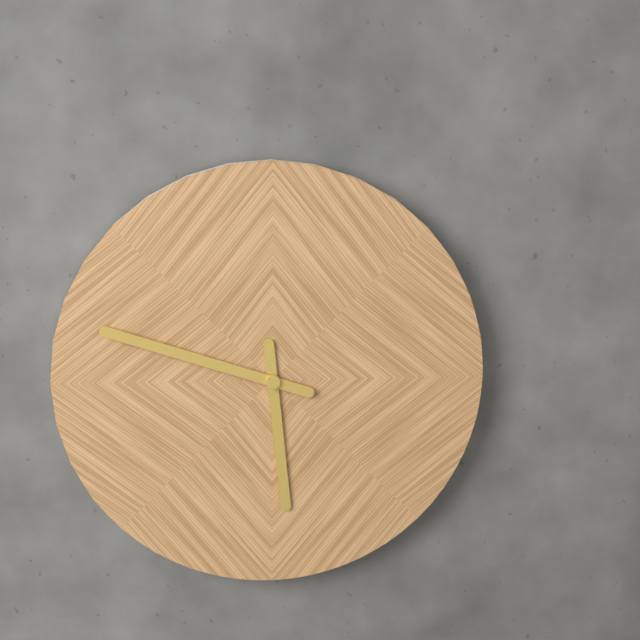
5:48
